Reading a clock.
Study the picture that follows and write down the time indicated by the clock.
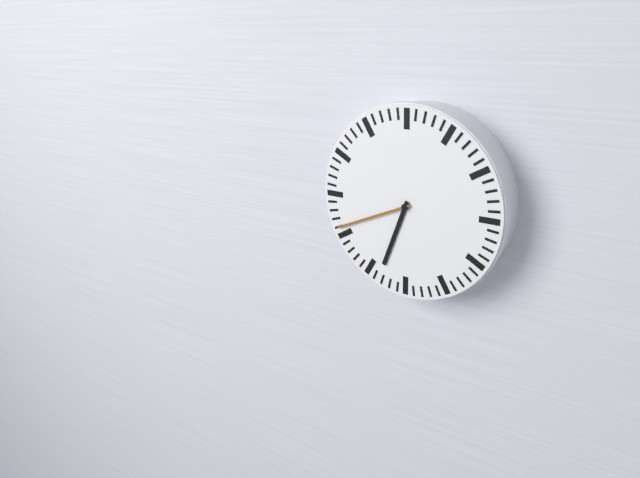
6:41
